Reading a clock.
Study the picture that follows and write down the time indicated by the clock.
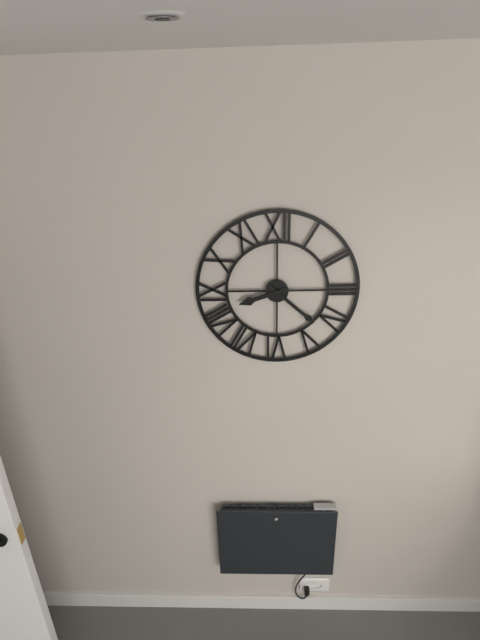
8:22
